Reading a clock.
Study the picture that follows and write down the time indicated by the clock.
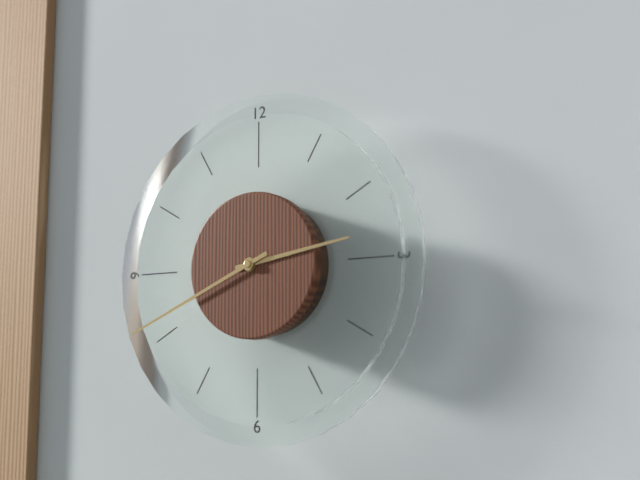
2:41
